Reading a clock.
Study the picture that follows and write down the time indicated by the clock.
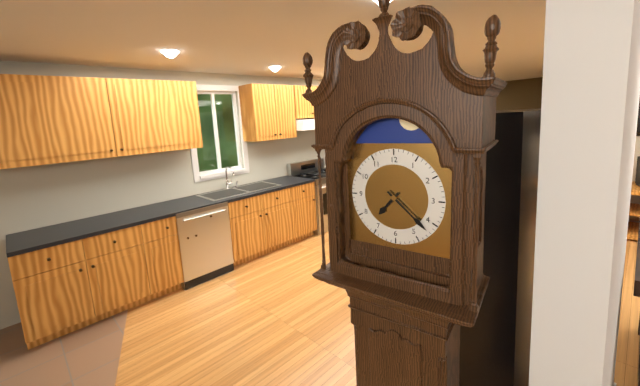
7:22
